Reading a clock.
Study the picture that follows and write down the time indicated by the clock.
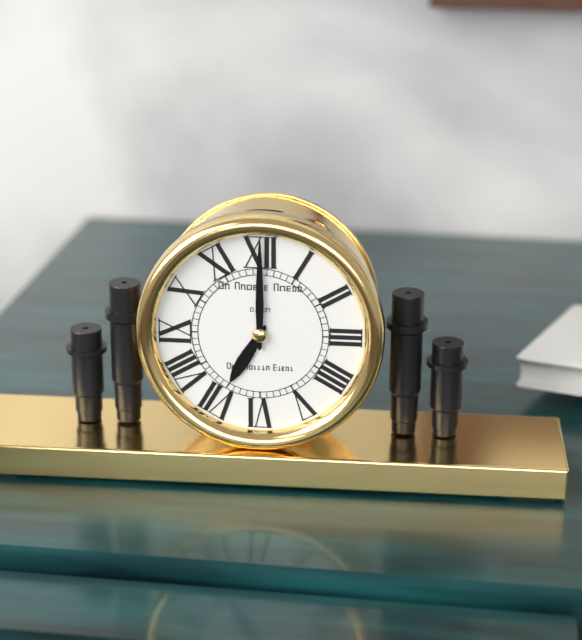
7:00
